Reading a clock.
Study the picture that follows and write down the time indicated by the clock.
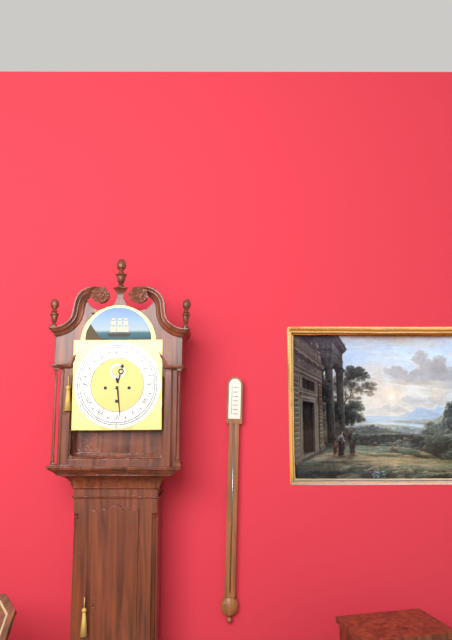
12:29
